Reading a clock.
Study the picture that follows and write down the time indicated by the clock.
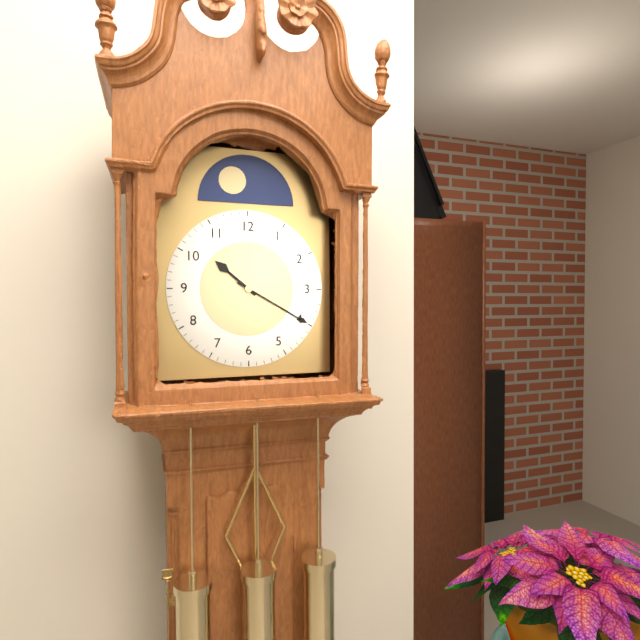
10:20
